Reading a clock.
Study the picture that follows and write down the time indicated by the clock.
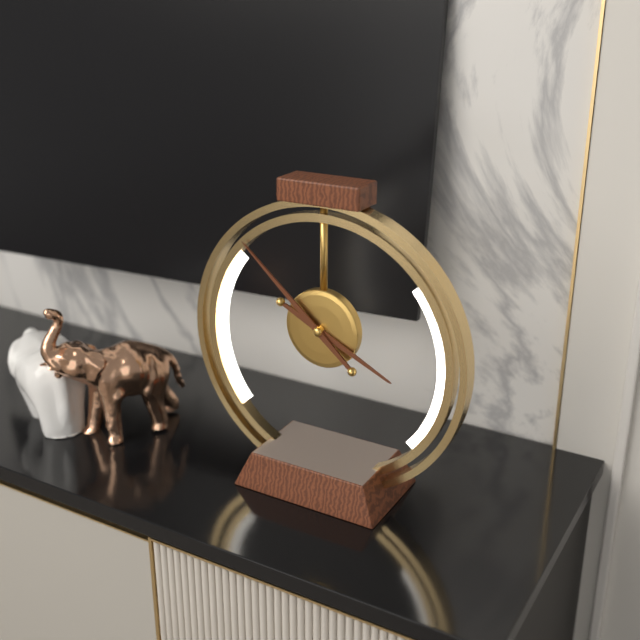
3:52
